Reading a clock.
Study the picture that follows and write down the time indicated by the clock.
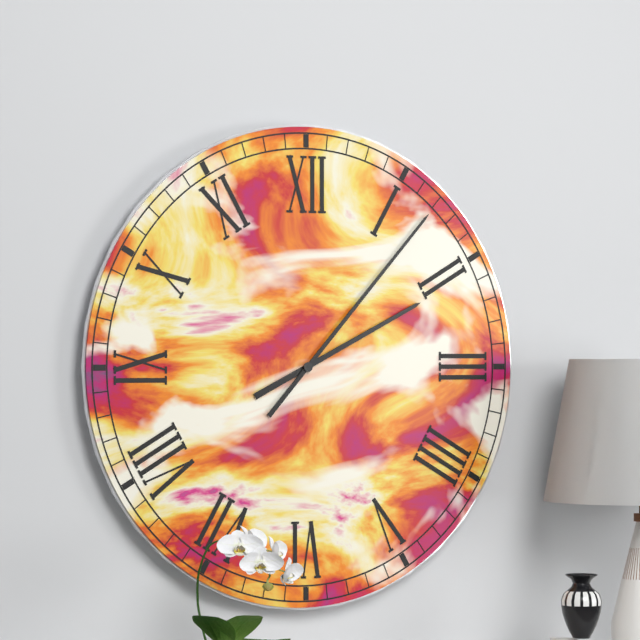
2:07
